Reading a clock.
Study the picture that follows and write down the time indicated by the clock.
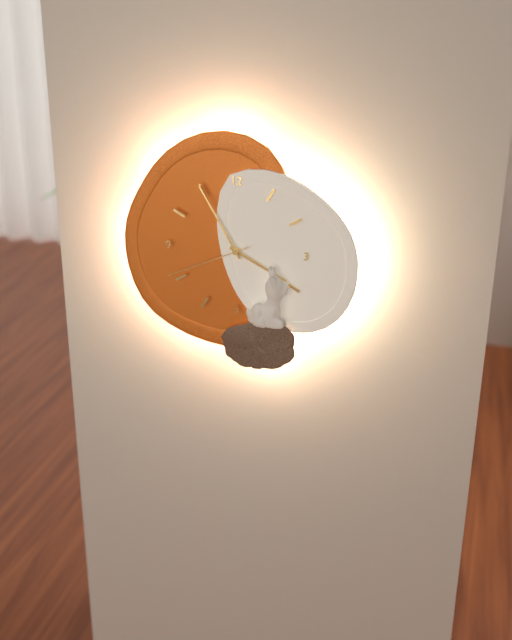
3:55:41
